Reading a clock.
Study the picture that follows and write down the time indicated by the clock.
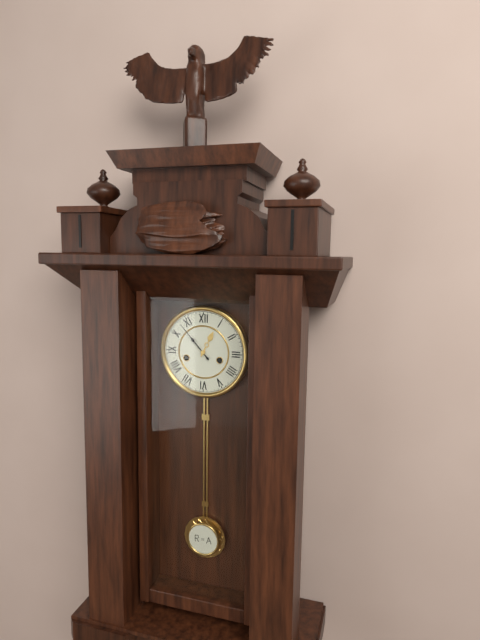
12:53
